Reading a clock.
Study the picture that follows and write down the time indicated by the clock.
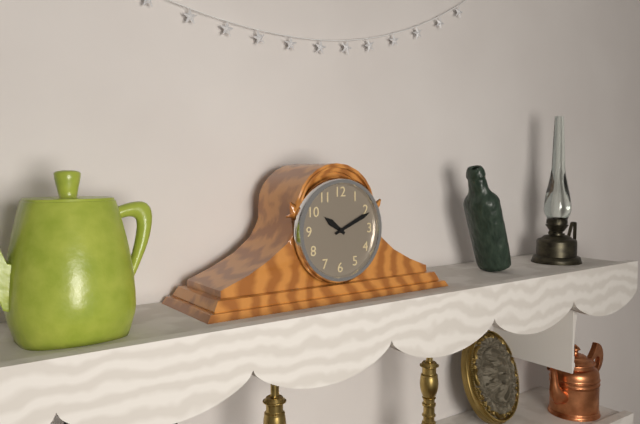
10:11
